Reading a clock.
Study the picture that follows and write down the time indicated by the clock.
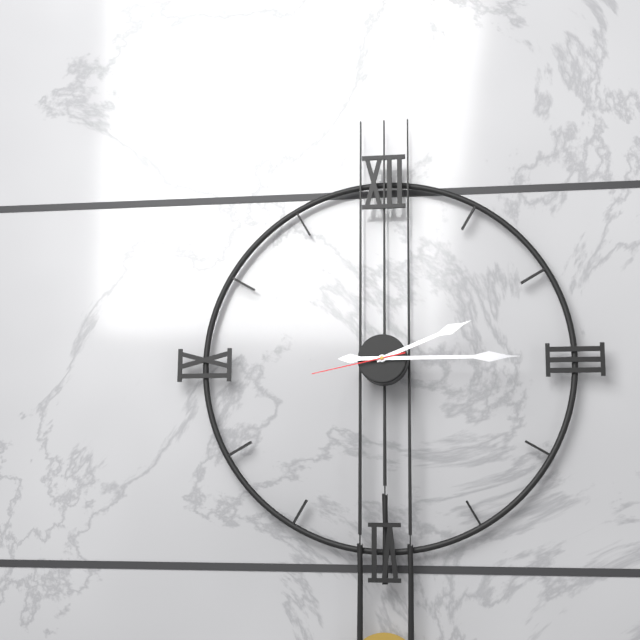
2:15:43
